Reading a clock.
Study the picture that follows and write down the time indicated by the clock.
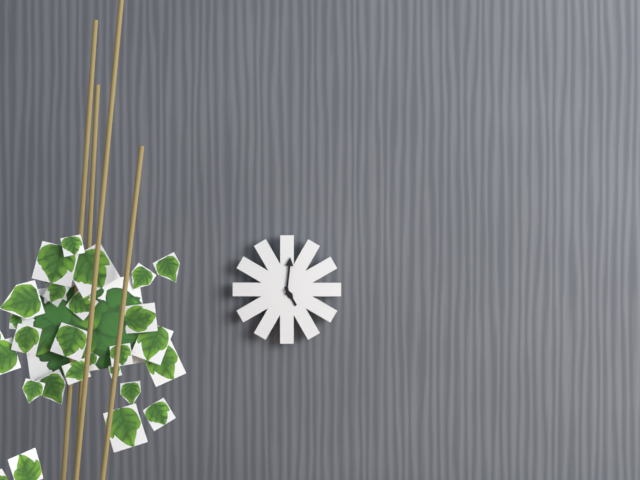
5:01
